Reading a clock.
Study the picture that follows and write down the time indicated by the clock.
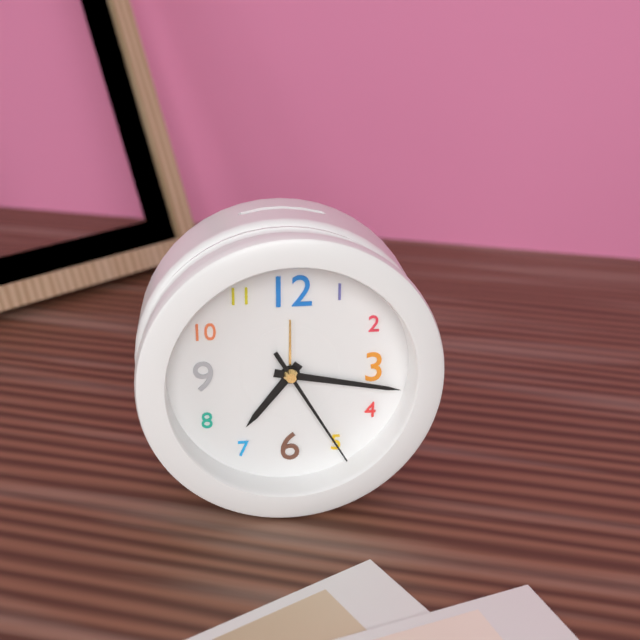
7:17:25
